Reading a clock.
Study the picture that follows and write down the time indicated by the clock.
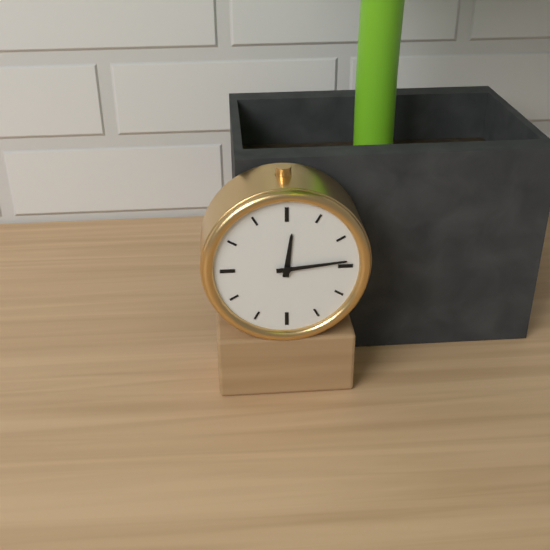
12:14
